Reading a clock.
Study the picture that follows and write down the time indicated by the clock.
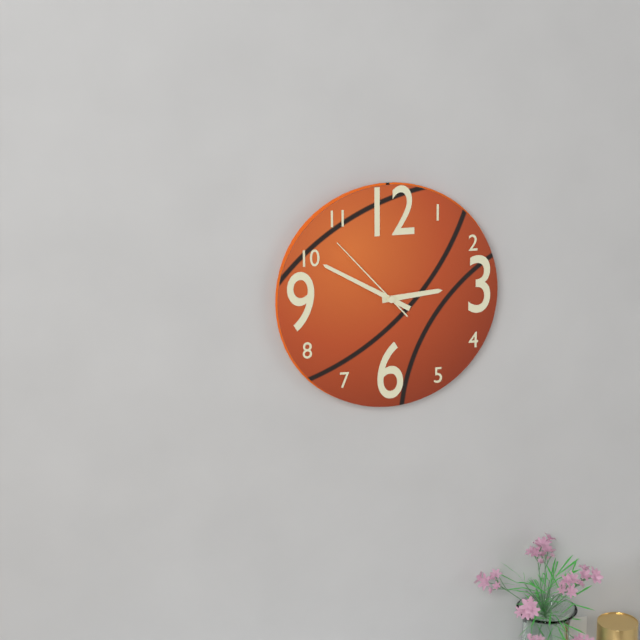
2:50:53
